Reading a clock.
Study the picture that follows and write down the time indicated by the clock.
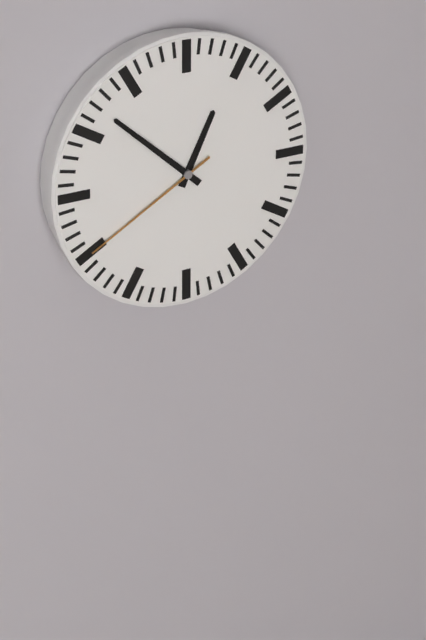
12:52:40
